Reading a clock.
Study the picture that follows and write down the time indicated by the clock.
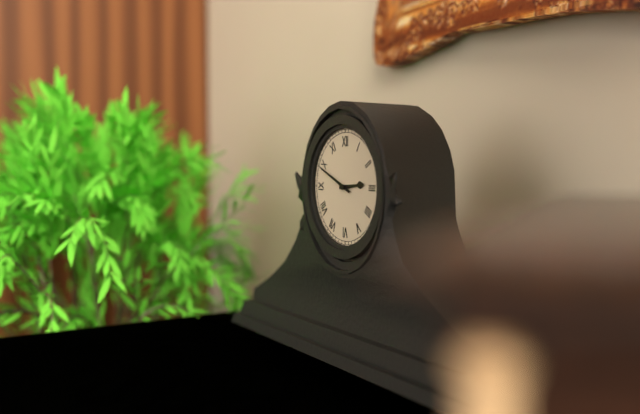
2:49
